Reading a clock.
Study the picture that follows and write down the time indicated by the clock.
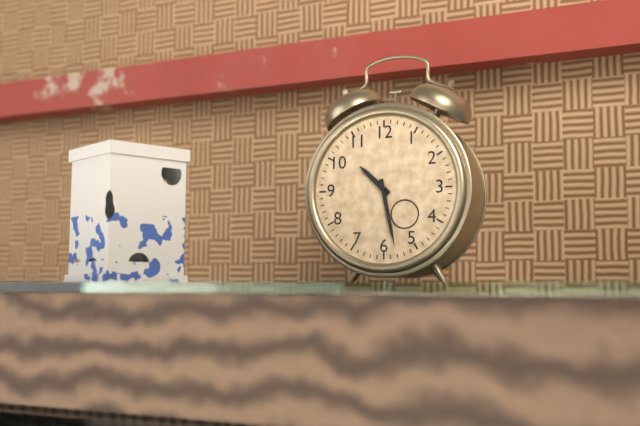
10:28
